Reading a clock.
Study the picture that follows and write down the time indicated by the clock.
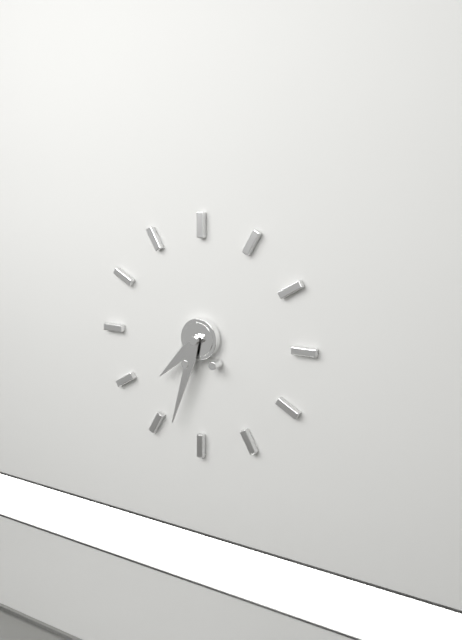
7:33
